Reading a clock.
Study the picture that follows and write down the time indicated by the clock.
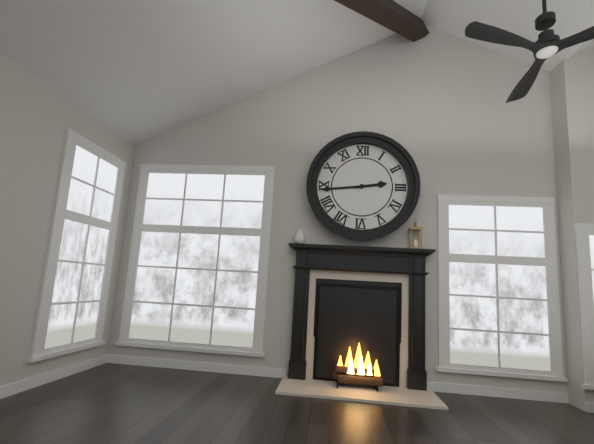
2:44
